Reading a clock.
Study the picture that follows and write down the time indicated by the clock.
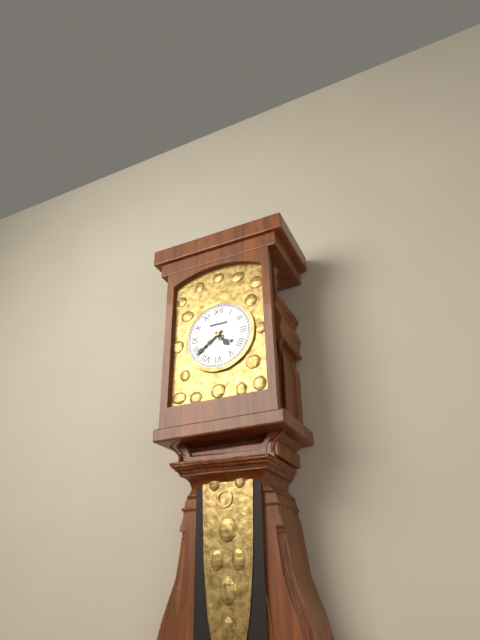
4:39
